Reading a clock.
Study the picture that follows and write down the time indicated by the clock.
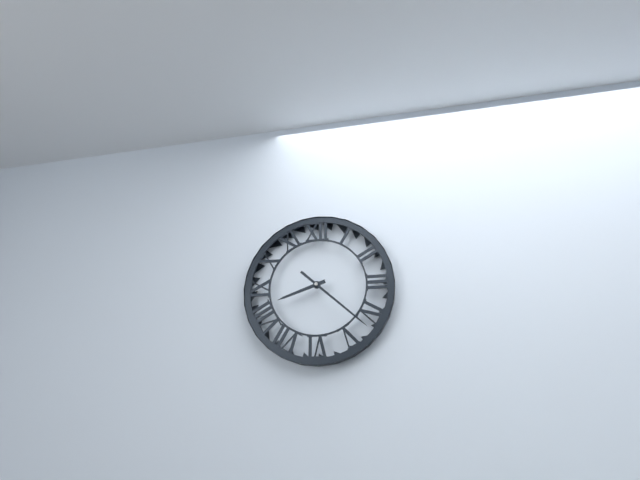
8:22
